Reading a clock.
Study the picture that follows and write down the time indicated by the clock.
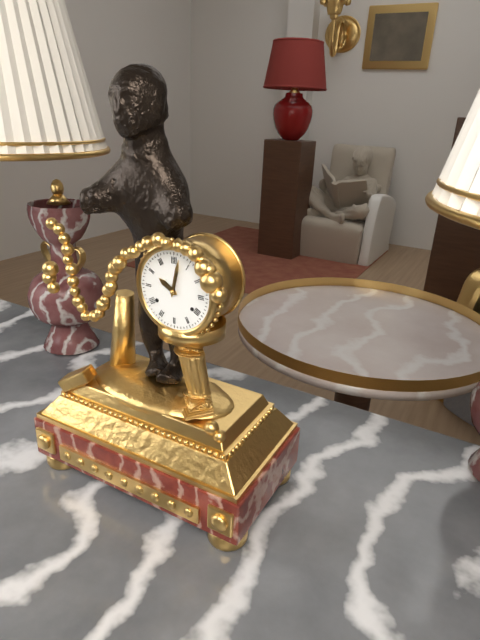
10:02
